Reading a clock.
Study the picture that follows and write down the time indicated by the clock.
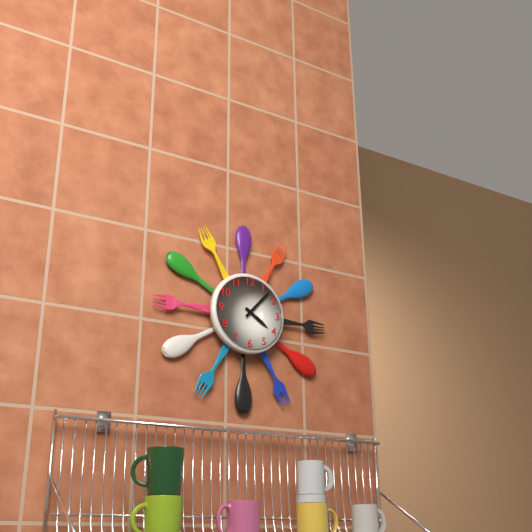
4:07
